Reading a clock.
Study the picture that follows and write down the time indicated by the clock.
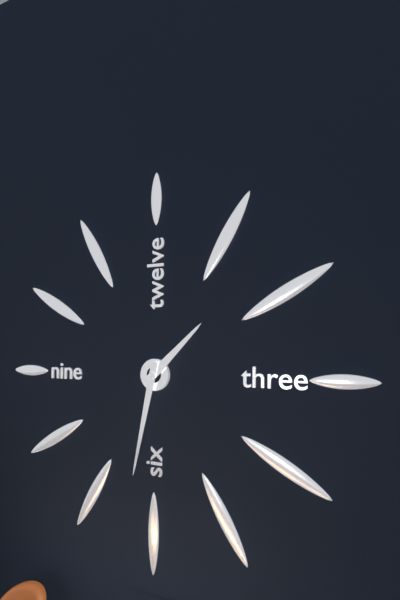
1:32
